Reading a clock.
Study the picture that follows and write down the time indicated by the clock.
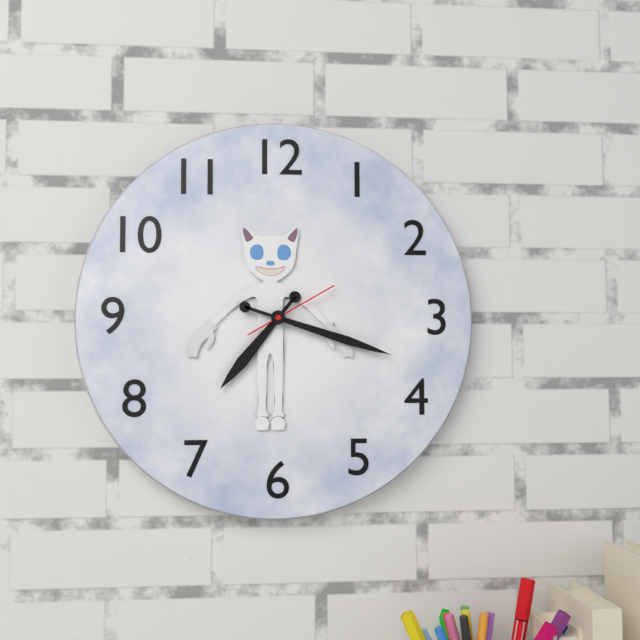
7:18:10
